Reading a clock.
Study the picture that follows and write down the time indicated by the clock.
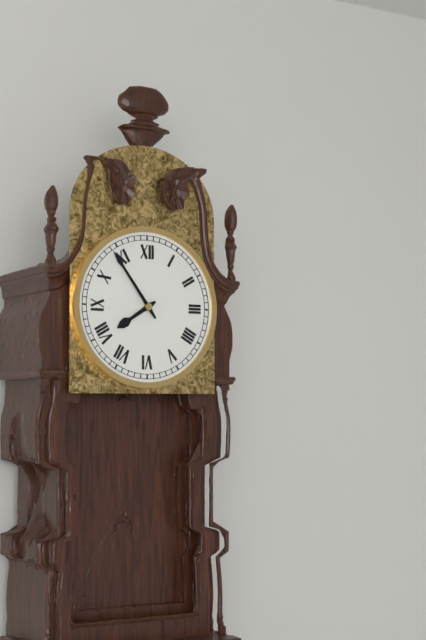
7:54
